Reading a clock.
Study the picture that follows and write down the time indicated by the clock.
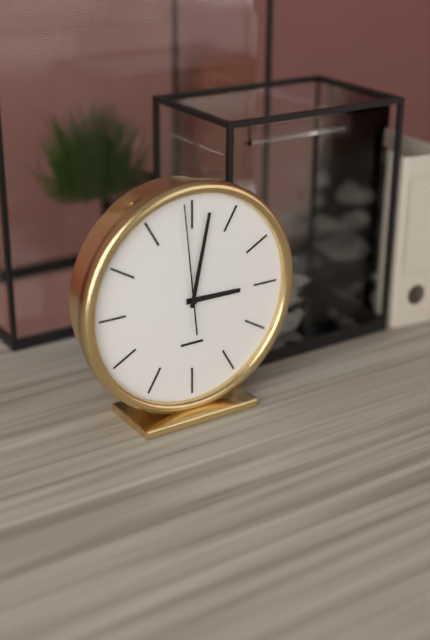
3:02:59
